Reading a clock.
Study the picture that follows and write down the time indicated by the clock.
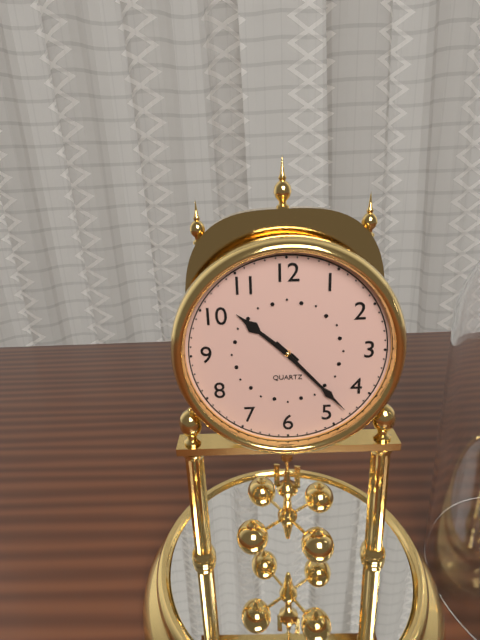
10:23
